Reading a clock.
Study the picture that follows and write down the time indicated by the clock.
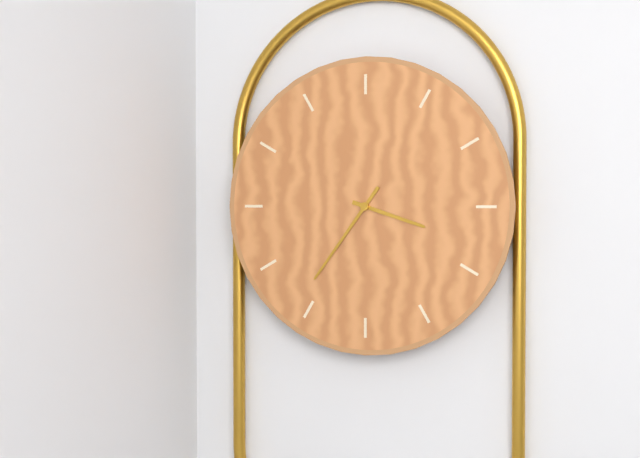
3:36
